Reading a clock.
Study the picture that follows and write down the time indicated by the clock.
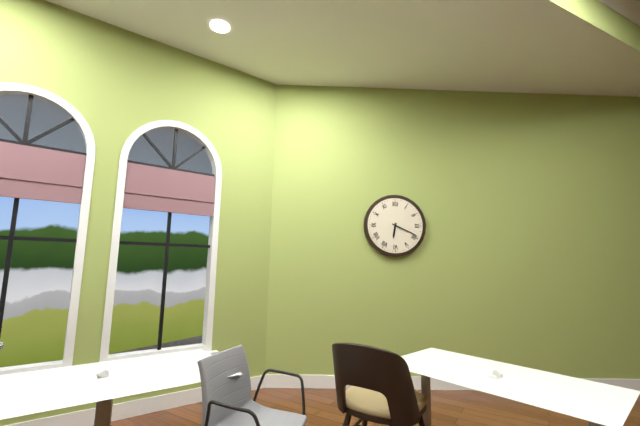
6:19
